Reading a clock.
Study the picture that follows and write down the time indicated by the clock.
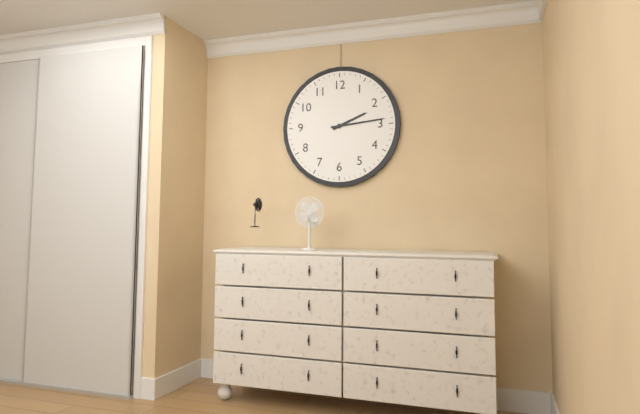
2:14
